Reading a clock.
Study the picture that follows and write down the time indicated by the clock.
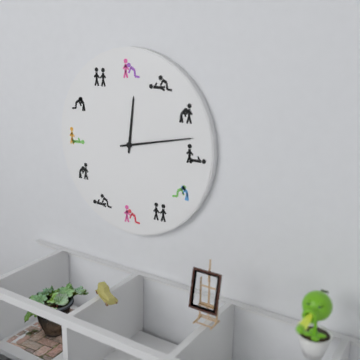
12:13
